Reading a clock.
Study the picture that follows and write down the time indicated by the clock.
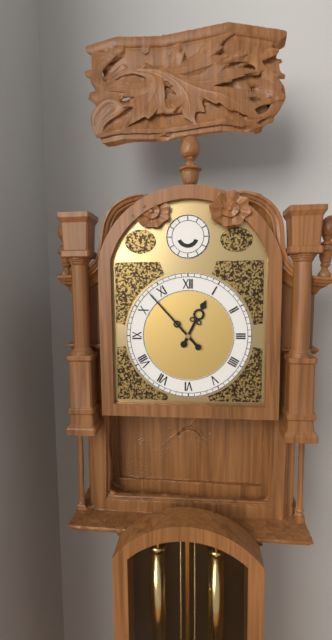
12:53
